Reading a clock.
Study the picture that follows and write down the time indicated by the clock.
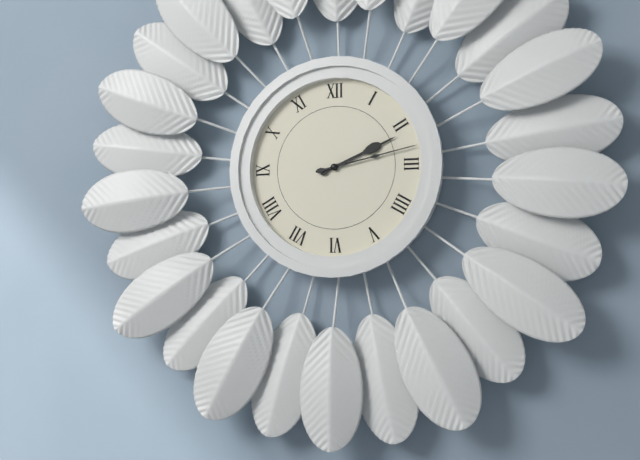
2:13
